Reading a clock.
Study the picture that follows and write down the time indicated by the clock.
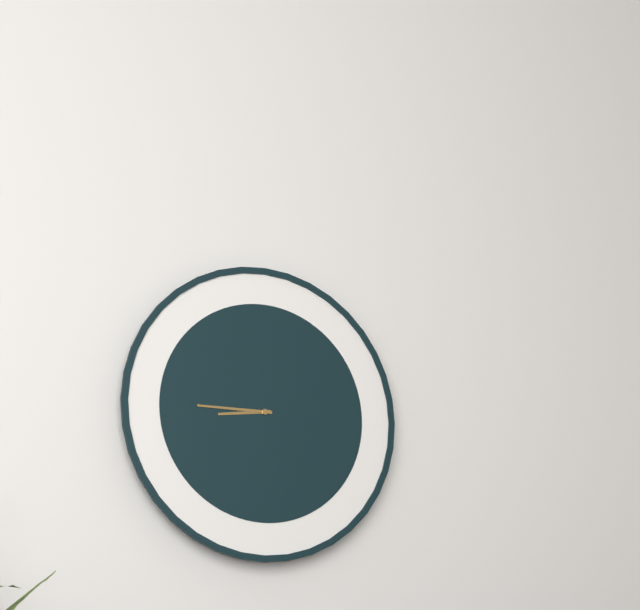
8:45
